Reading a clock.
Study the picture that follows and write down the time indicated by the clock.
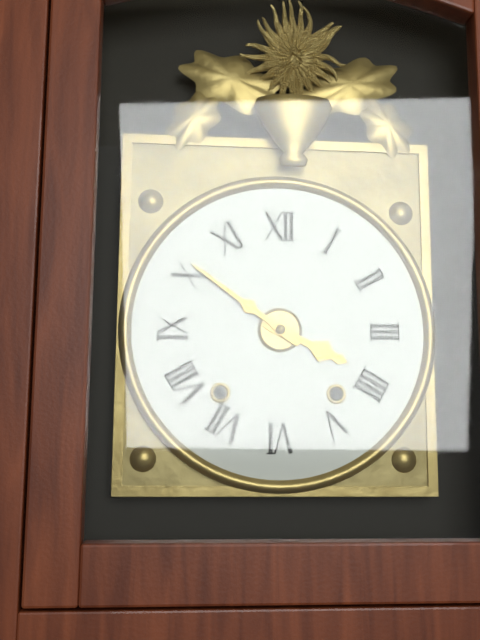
3:51
